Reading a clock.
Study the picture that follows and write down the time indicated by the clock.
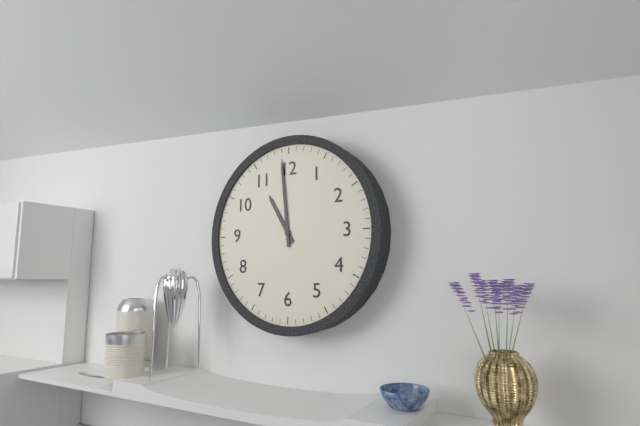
10:59
